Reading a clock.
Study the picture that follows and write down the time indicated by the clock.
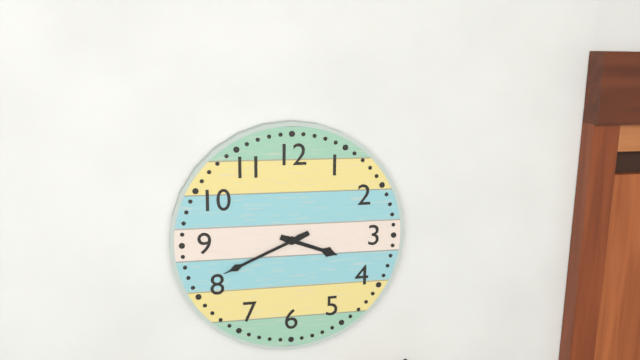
3:41
